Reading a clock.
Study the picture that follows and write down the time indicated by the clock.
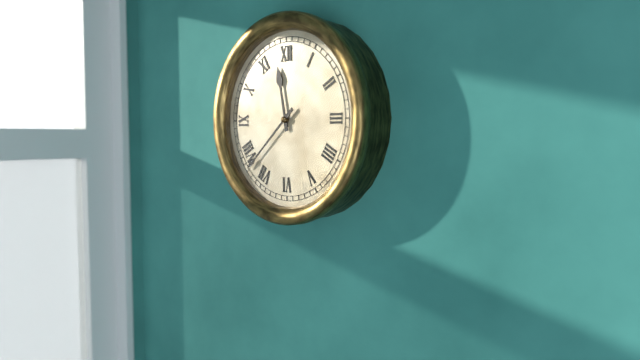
11:38
